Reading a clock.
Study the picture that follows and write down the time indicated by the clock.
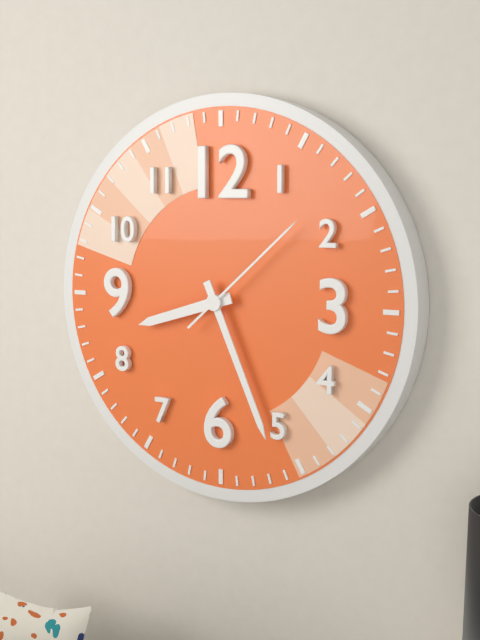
8:26:08
